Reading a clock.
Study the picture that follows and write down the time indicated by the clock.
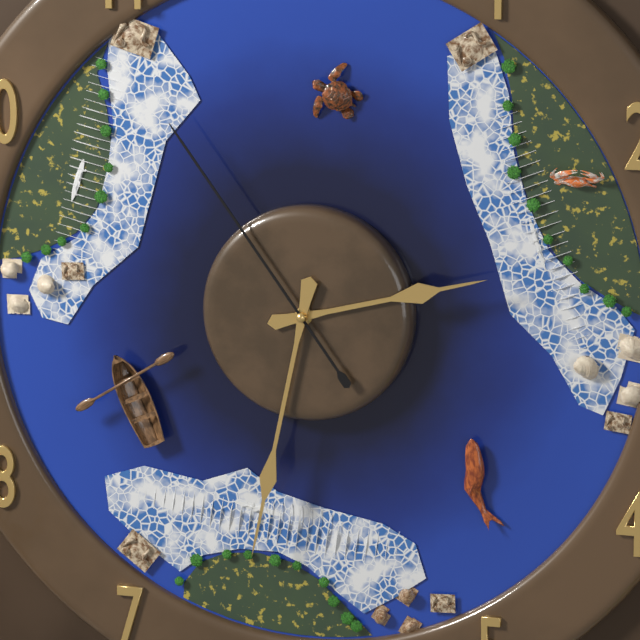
2:32:54
